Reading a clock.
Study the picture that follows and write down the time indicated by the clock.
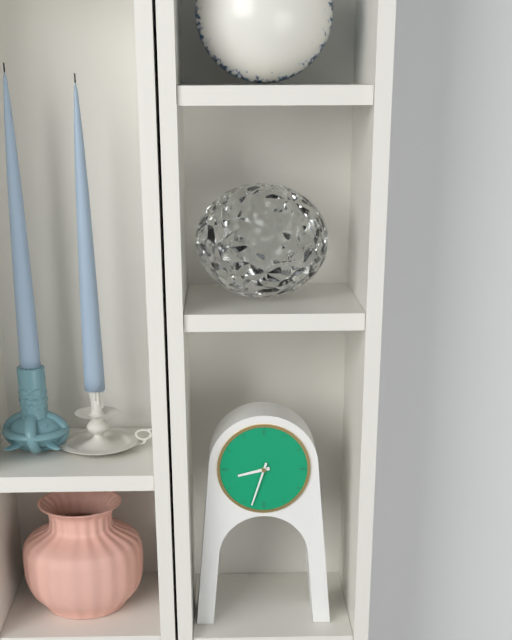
8:33
